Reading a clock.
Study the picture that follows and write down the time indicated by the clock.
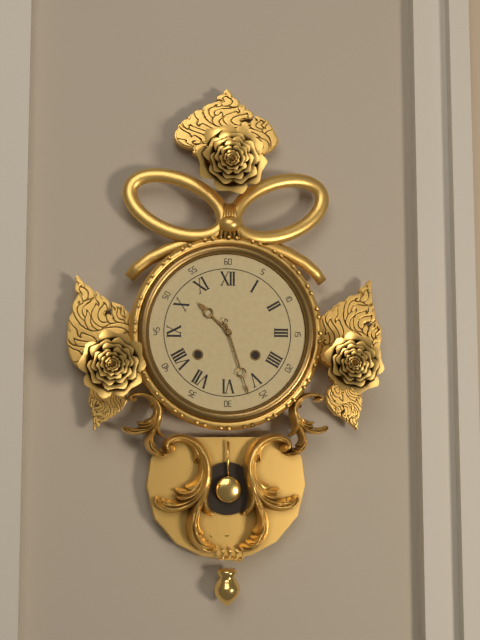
10:27
